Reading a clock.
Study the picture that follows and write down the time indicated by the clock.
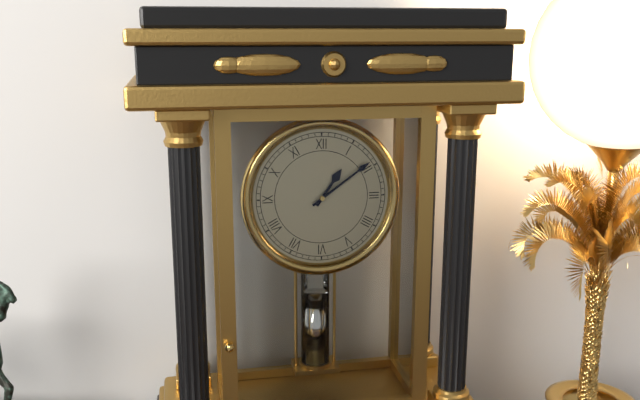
1:09
